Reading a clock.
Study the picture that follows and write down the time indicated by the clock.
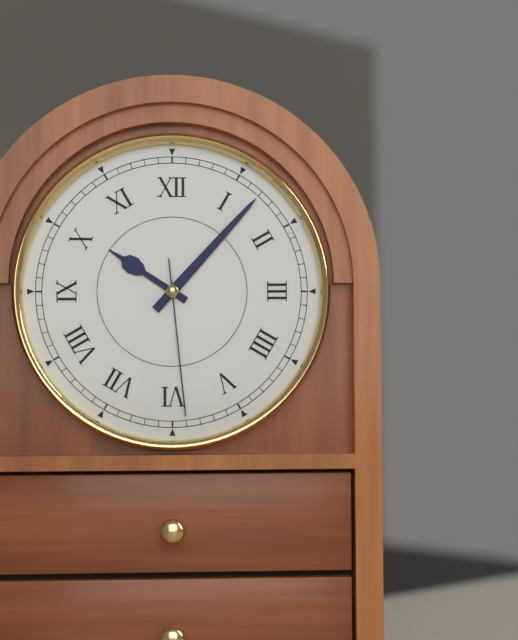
10:07:29
